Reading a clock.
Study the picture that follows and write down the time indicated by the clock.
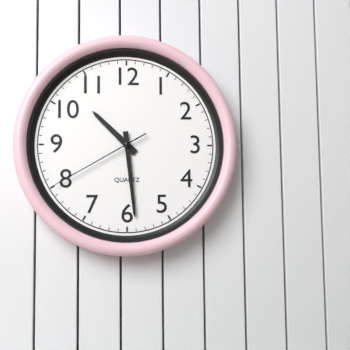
10:29:40
